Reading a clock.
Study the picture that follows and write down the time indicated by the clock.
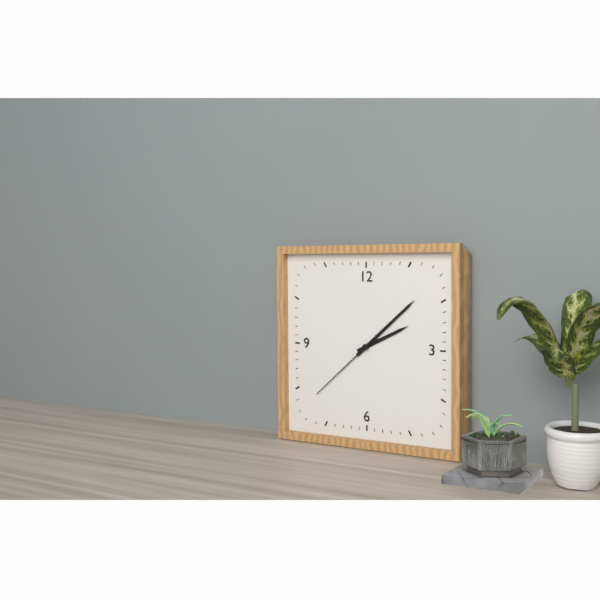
2:08:38
